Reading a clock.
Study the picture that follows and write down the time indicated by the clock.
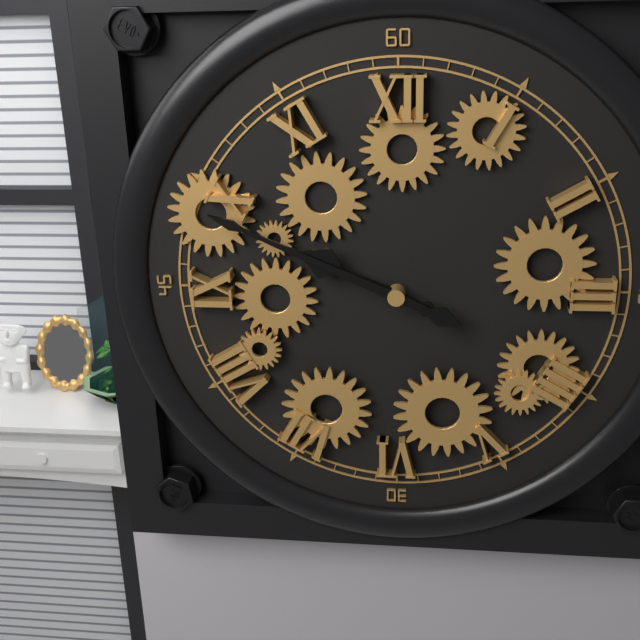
9:49
